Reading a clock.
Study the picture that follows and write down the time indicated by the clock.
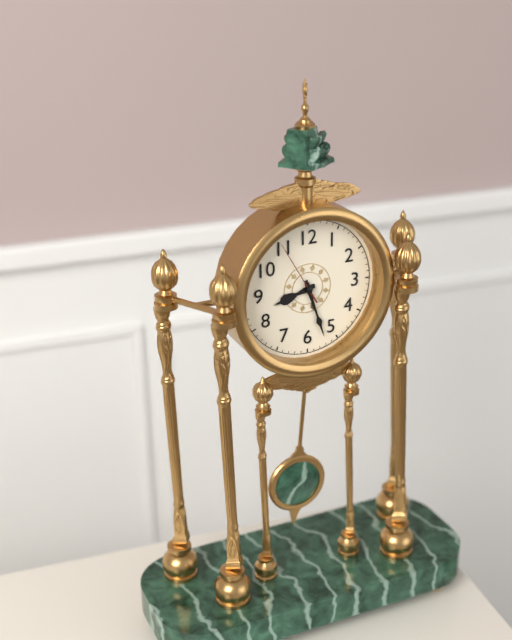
8:27:55
